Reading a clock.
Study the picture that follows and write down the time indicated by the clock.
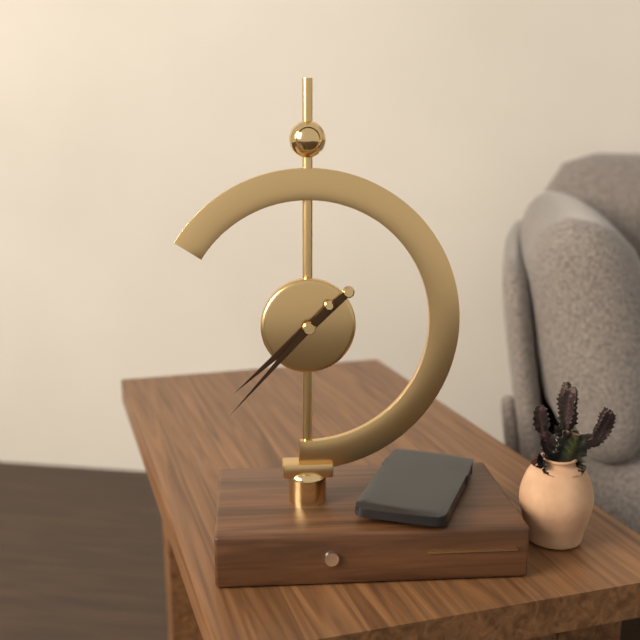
7:37
